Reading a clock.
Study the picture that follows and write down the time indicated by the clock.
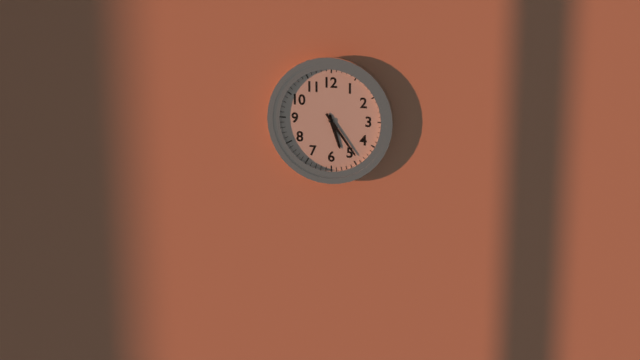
5:24
